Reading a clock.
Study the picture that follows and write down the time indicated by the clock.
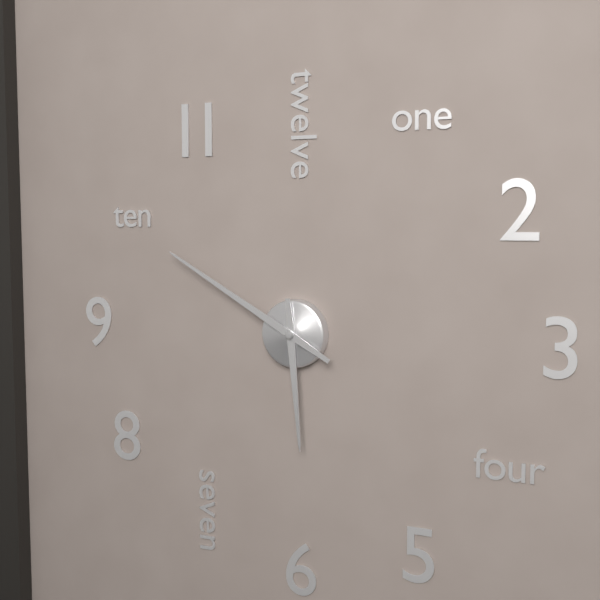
5:50
